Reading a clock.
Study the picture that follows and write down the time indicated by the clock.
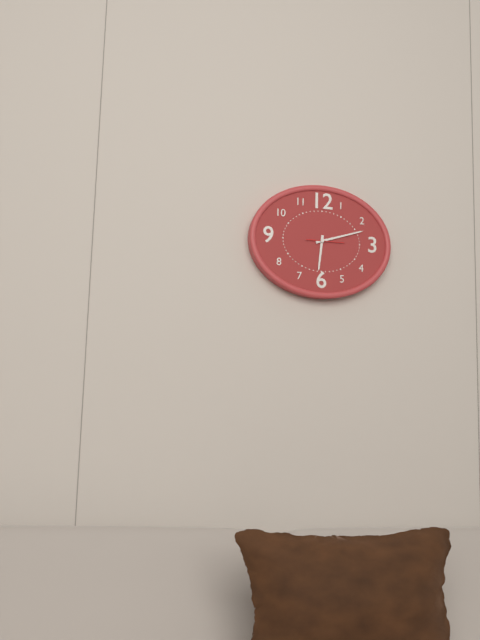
6:12
